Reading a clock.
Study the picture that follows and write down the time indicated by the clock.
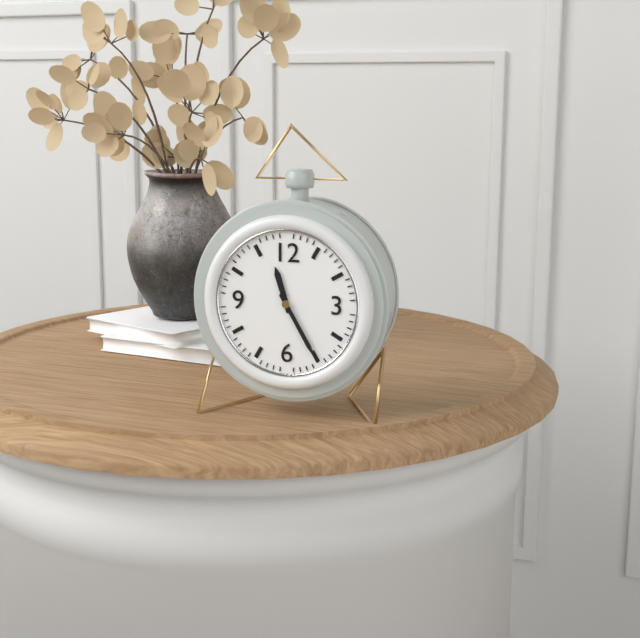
11:25
